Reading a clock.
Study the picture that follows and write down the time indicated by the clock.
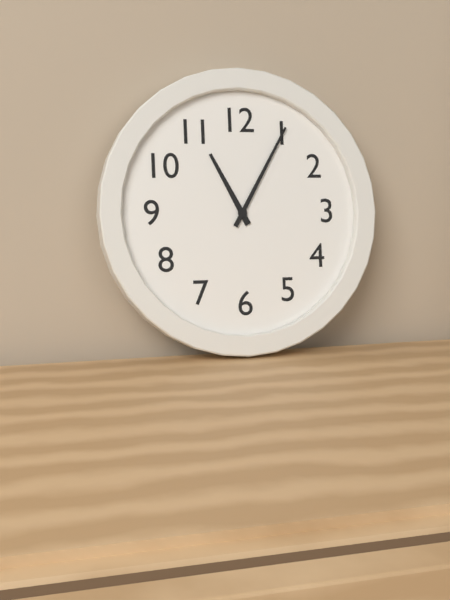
11:05
